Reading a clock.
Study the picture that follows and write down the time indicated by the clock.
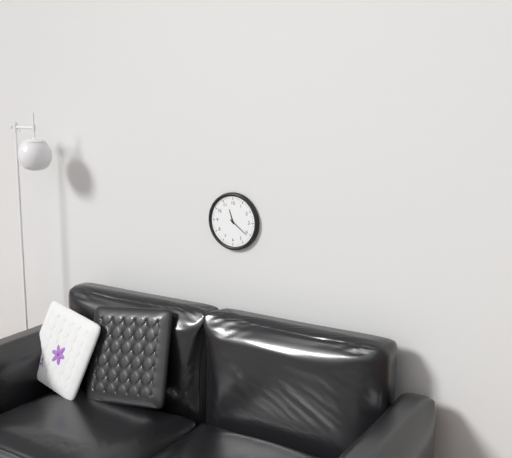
11:21
